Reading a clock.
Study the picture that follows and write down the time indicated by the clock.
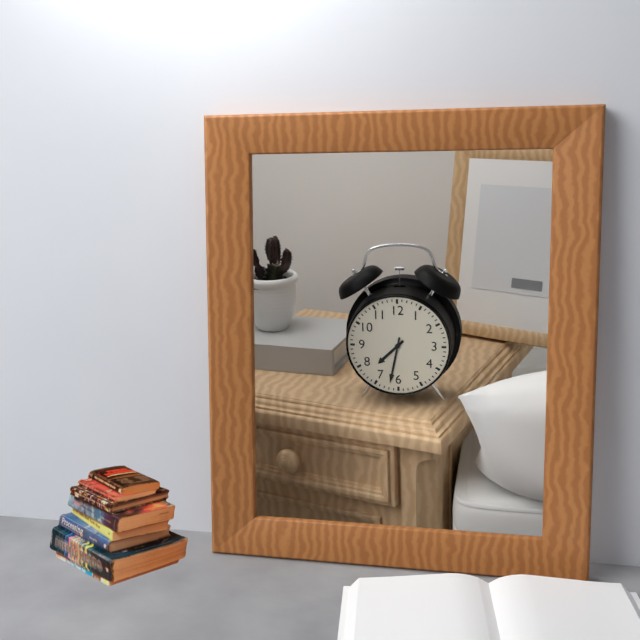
7:32
